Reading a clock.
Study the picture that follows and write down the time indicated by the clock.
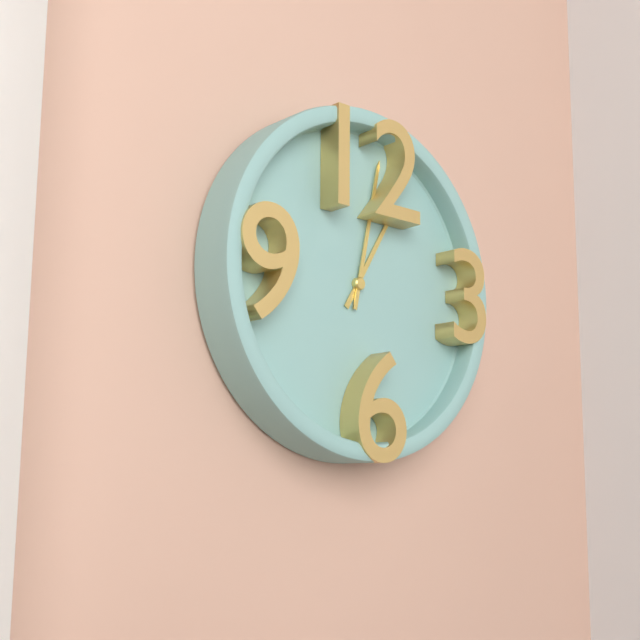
1:02
